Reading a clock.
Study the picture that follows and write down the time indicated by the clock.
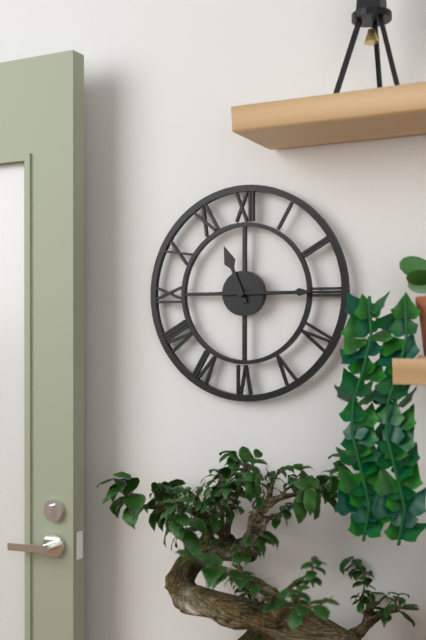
11:15
